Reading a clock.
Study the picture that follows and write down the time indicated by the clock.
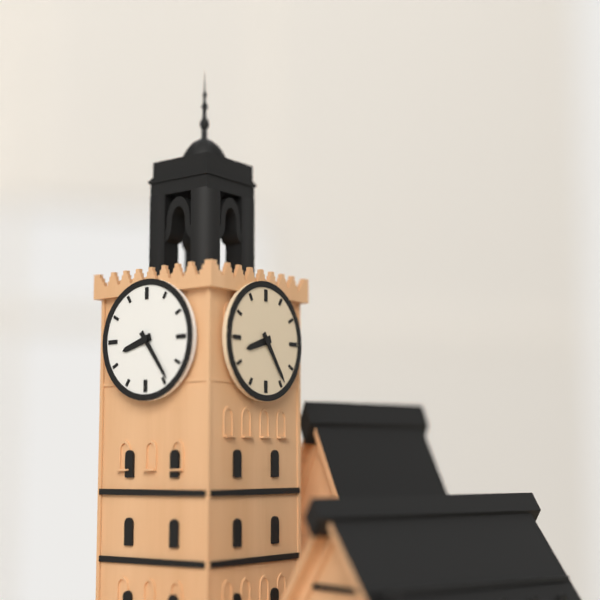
8:24
